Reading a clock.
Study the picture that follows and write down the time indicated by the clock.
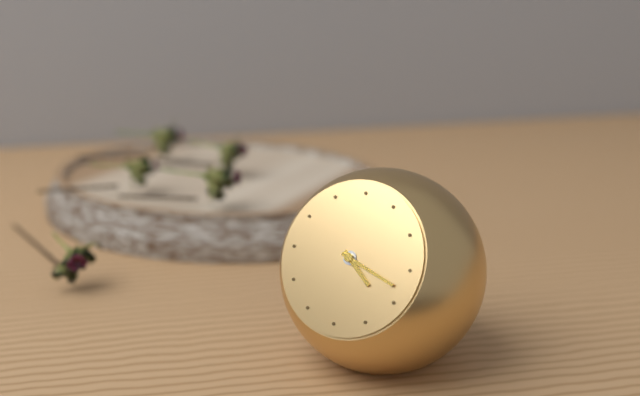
4:18
